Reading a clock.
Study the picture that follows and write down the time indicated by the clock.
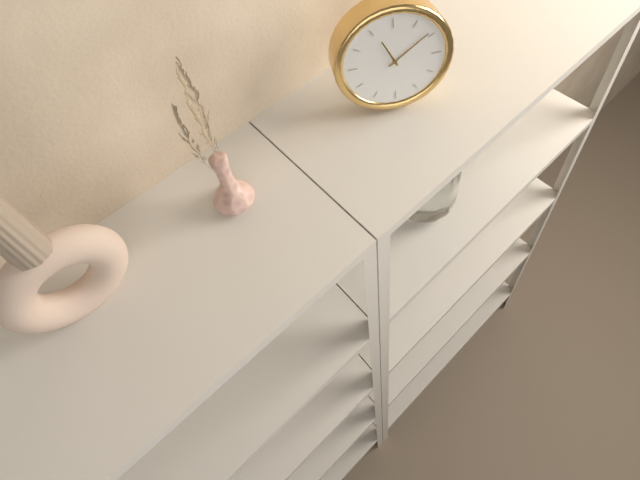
11:09
